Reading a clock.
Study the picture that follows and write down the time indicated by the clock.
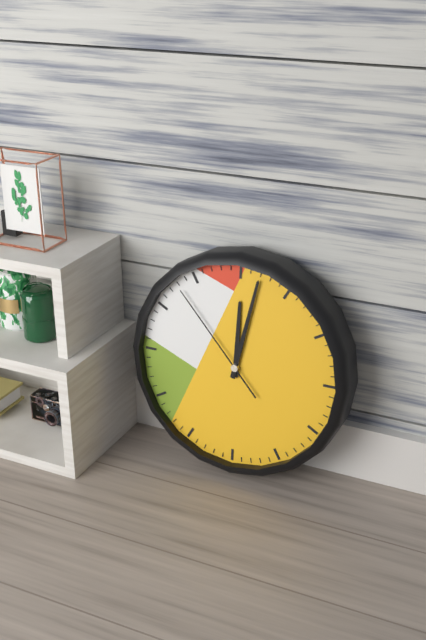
12:02:53
